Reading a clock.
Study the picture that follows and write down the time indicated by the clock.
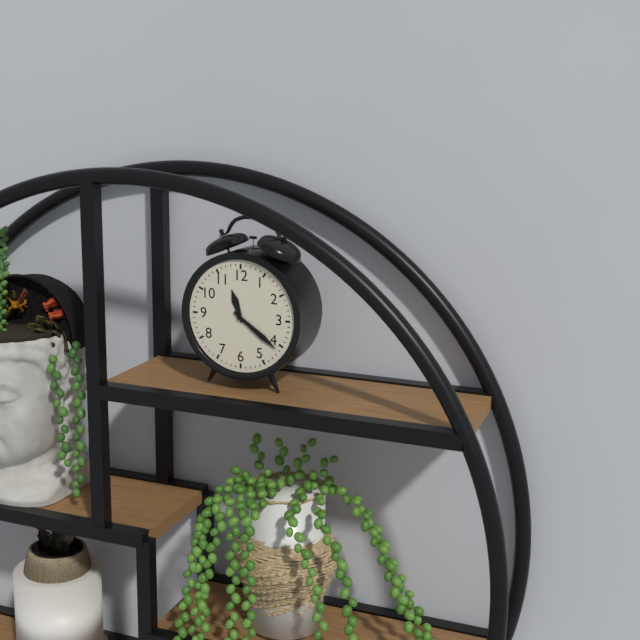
11:21
